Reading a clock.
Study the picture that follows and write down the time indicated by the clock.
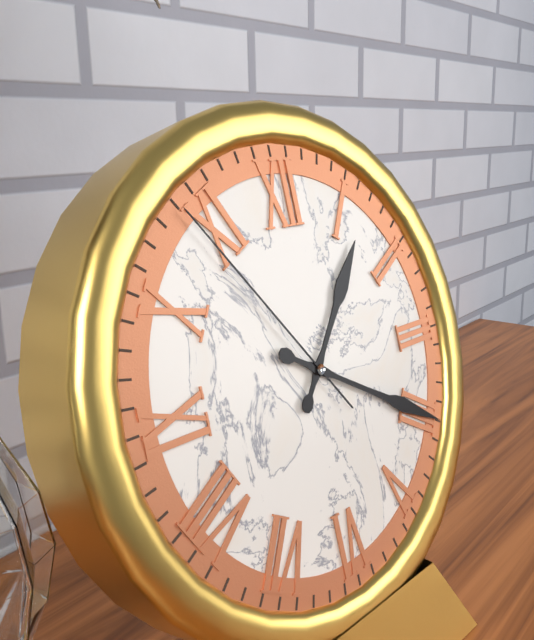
1:20:54
